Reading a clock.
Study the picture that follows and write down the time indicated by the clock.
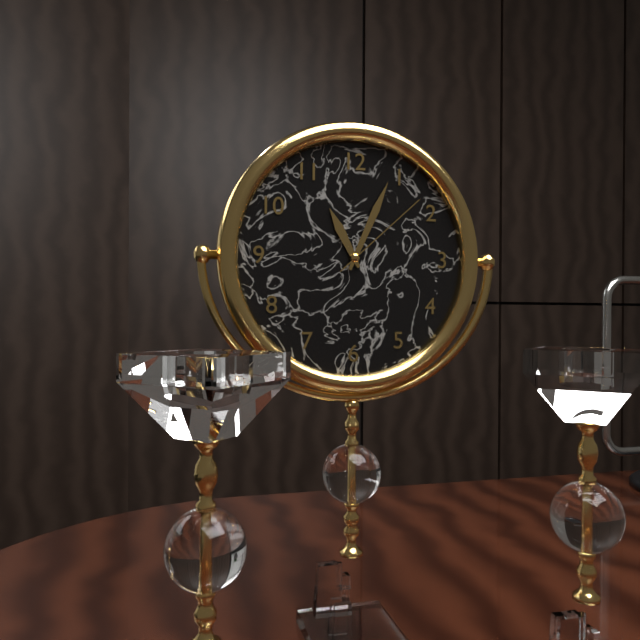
11:04:08
